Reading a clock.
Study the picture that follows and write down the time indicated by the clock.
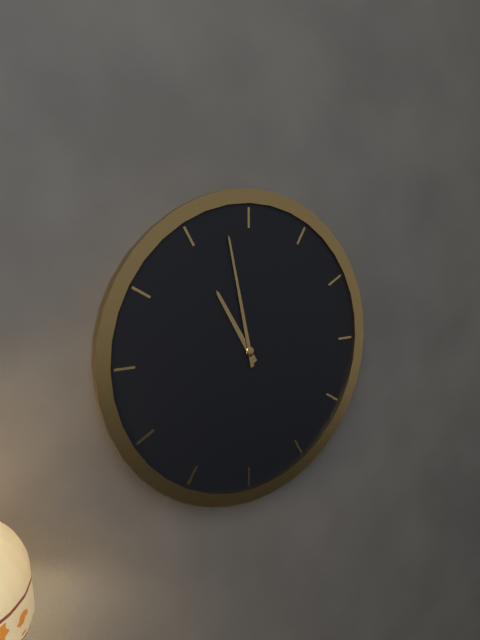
10:58
